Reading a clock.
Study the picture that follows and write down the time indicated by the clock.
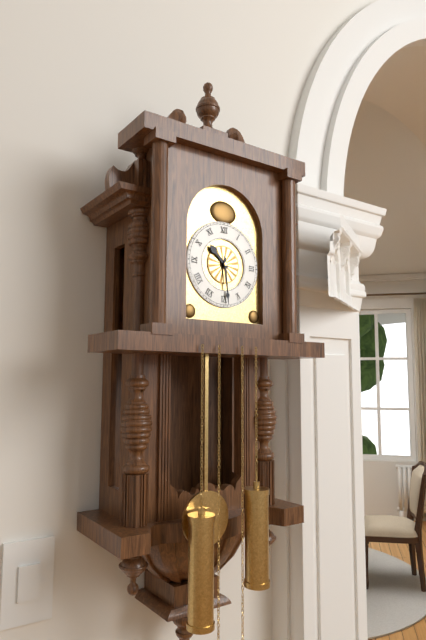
10:29
